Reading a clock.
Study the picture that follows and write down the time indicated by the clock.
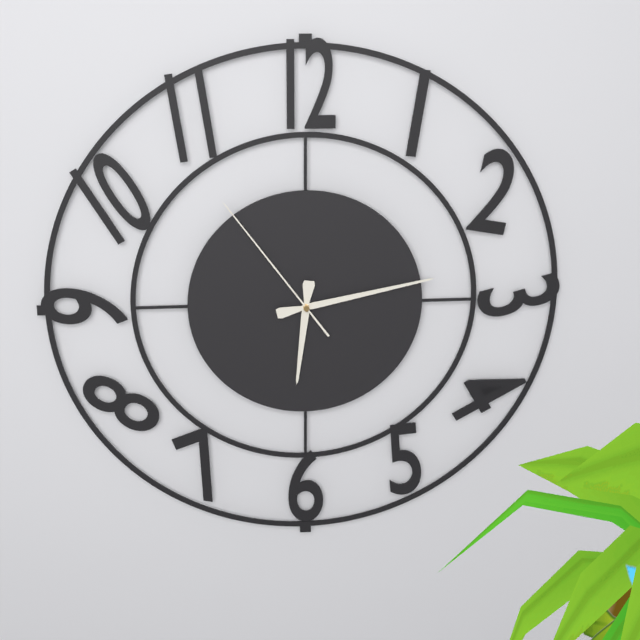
6:13:54
